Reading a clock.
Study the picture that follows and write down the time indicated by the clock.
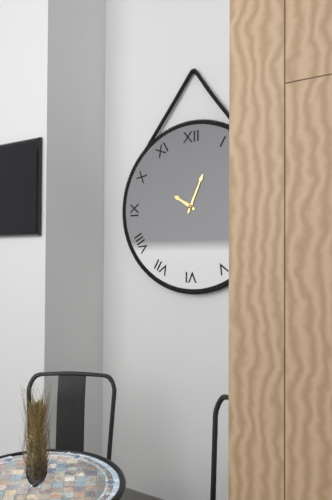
10:04
